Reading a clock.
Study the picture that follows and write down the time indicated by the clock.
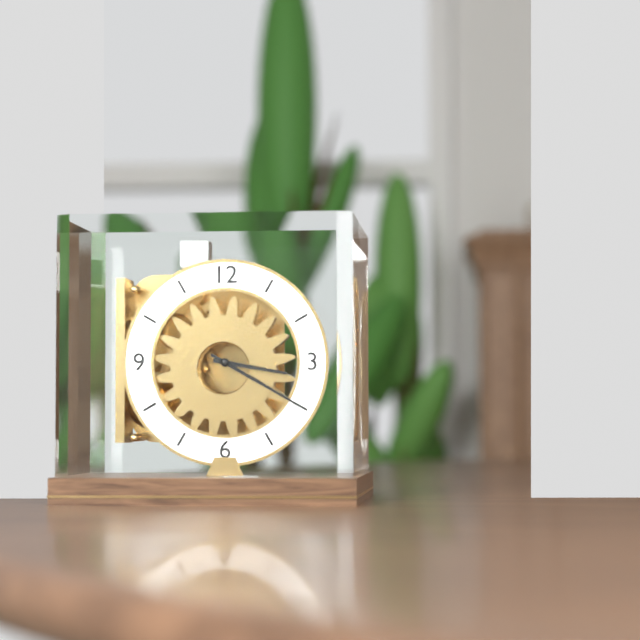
3:20
